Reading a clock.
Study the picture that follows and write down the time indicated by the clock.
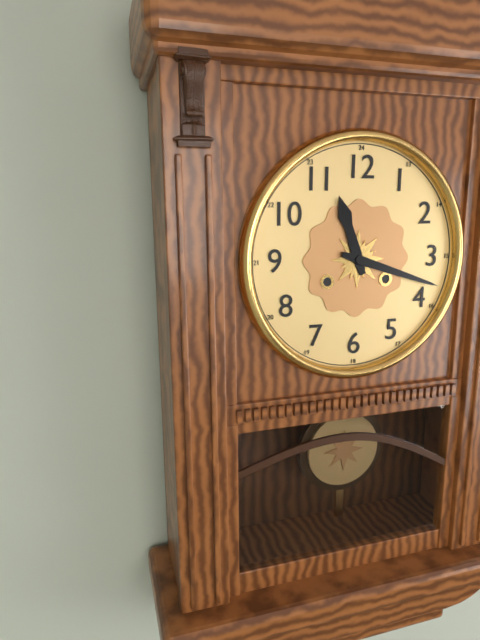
11:18
